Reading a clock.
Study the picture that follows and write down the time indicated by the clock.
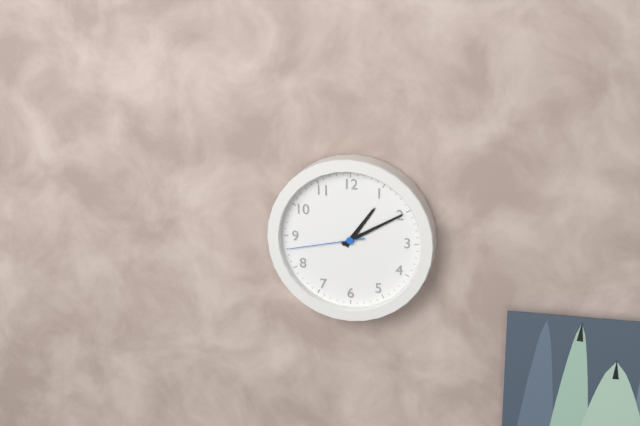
1:10:43
